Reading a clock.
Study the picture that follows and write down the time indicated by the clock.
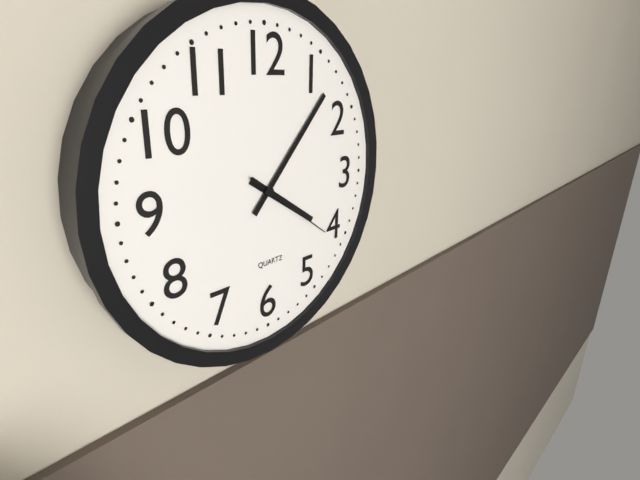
4:07:21
